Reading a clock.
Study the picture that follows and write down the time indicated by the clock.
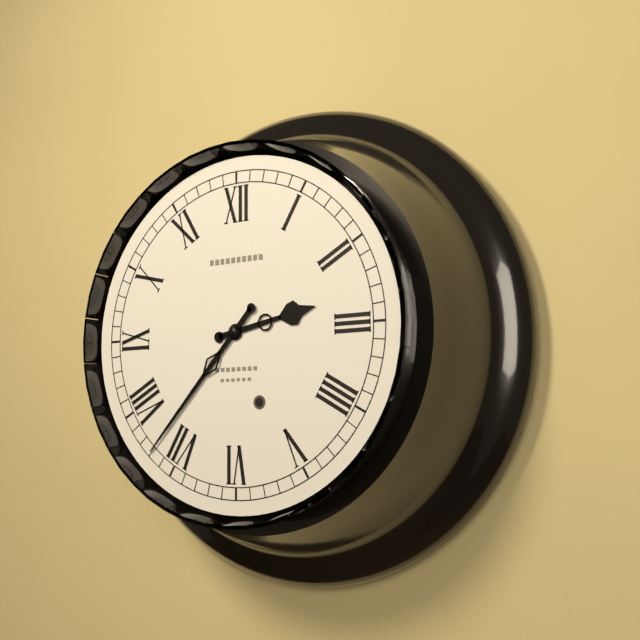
2:37
